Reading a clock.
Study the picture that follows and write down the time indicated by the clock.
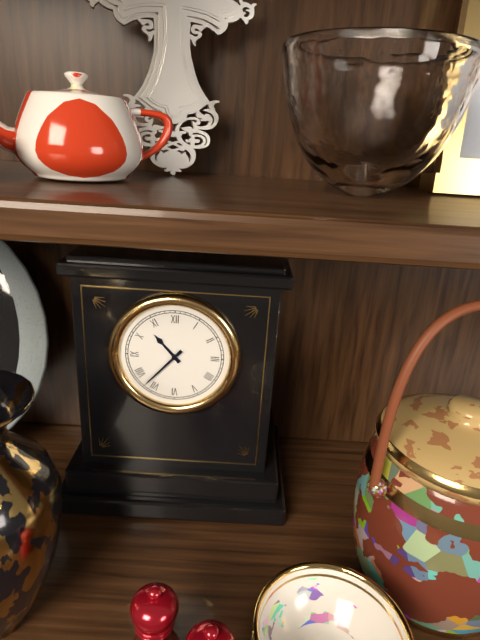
10:37
